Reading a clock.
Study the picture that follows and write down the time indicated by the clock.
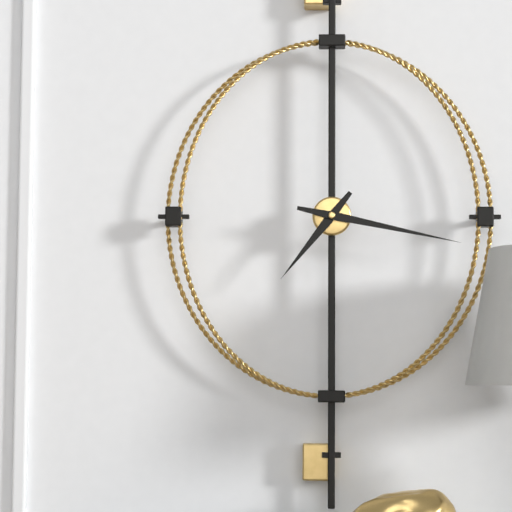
7:17
